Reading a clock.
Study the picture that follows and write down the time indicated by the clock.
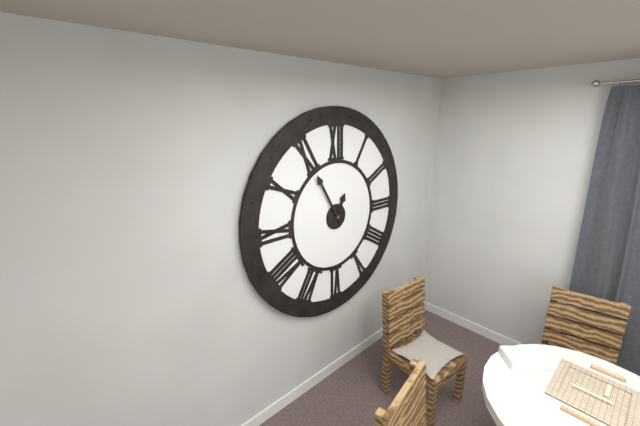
12:55
